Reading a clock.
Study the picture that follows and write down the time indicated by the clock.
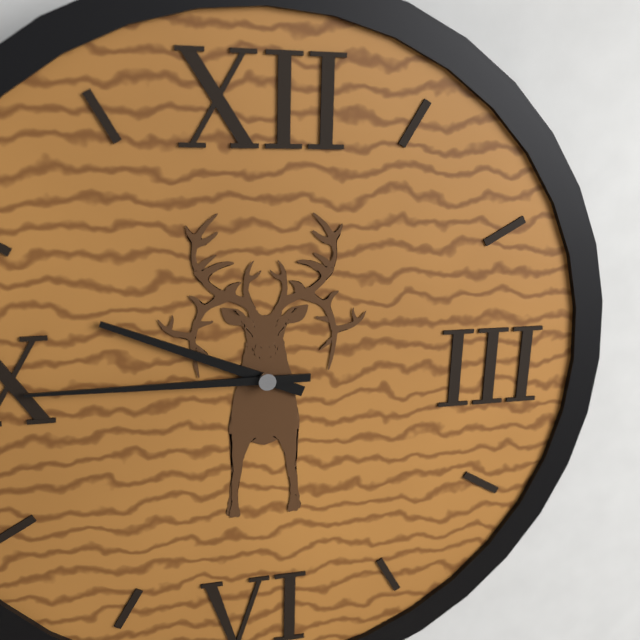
9:45
